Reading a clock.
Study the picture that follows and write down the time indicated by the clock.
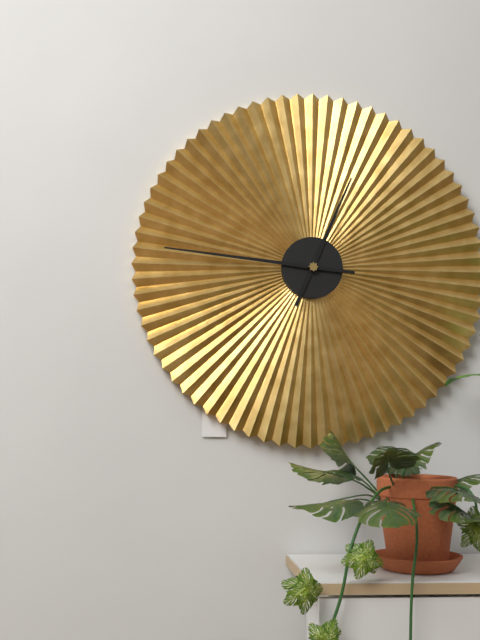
12:46
